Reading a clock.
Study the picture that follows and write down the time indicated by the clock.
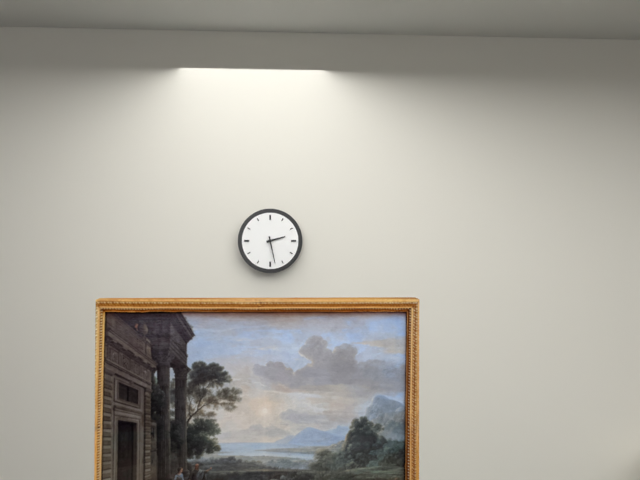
2:28
